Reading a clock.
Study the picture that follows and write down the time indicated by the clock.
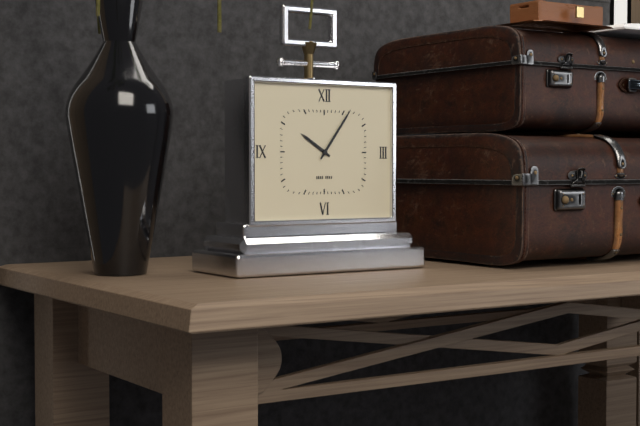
10:06
